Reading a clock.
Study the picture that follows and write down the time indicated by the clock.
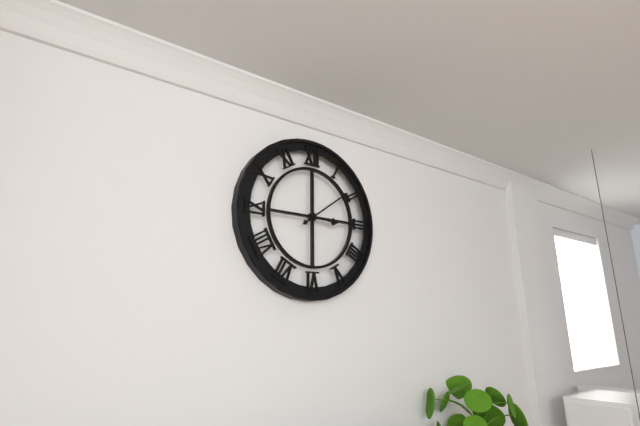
3:09
